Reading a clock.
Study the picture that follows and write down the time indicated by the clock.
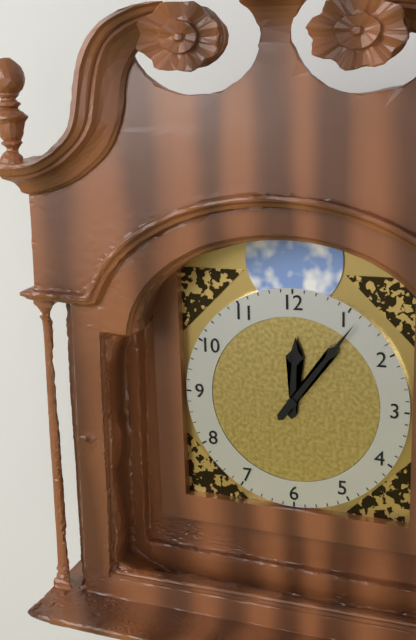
12:06
